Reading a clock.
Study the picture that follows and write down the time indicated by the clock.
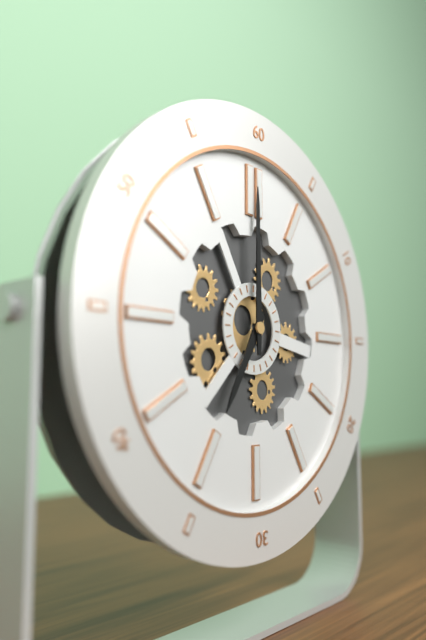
7:00
